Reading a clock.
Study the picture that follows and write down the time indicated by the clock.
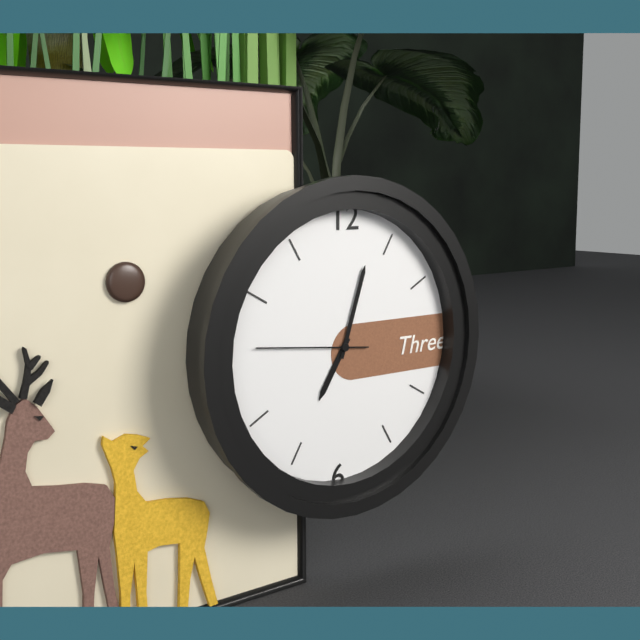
7:03:46
